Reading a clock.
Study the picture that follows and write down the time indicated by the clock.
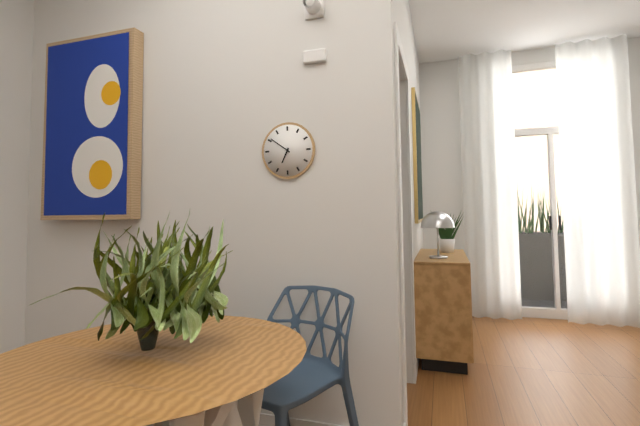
6:51
